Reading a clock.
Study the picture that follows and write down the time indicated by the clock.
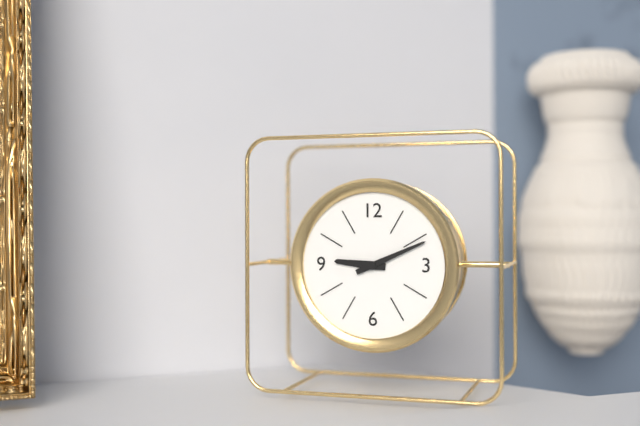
9:11
